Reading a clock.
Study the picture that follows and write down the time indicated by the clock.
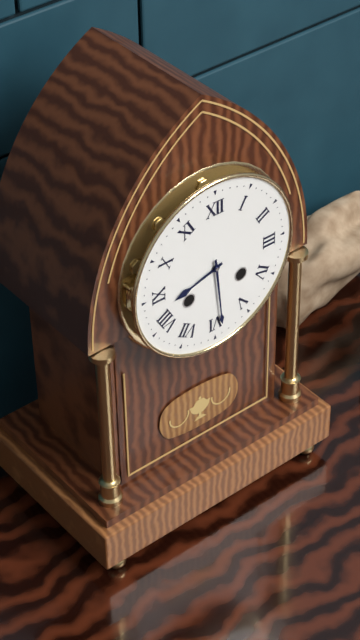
8:29
